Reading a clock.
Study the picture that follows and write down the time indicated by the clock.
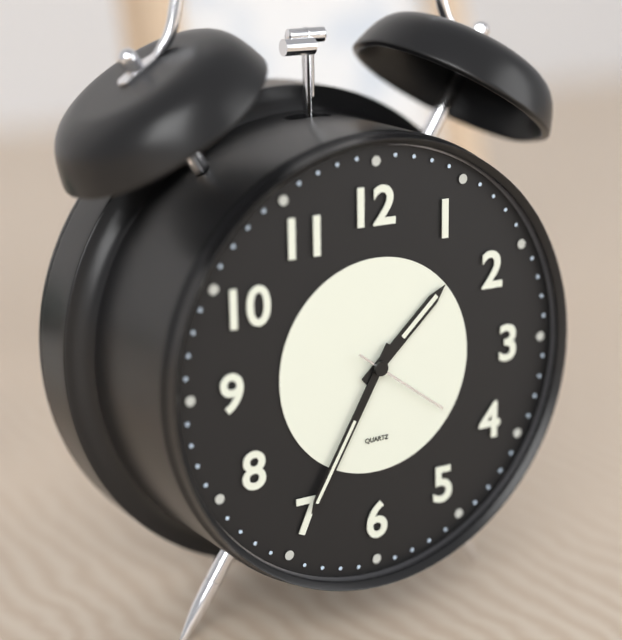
1:35:21
